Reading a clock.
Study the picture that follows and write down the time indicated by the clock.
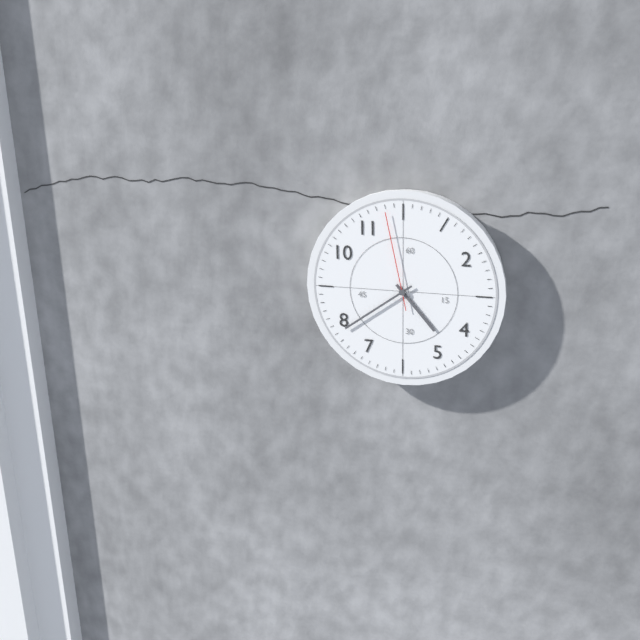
4:39:58
